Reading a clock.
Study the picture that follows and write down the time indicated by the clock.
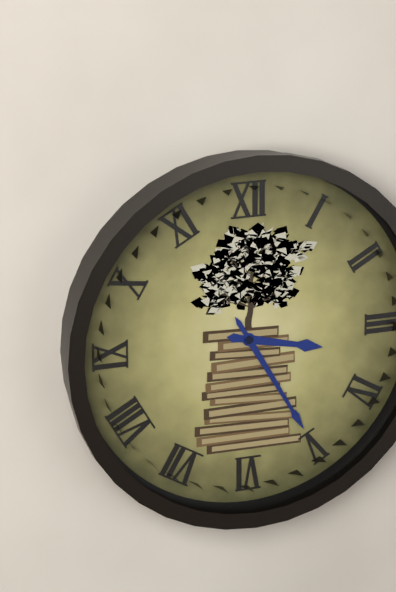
3:25
